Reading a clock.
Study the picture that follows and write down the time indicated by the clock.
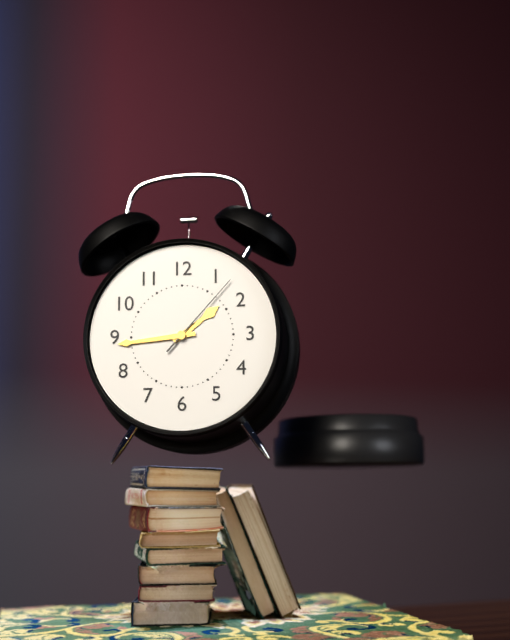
1:44:07
